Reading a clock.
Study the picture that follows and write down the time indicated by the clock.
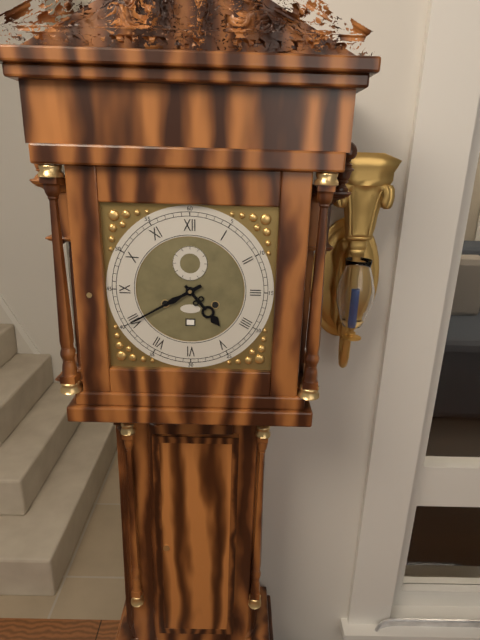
4:40
